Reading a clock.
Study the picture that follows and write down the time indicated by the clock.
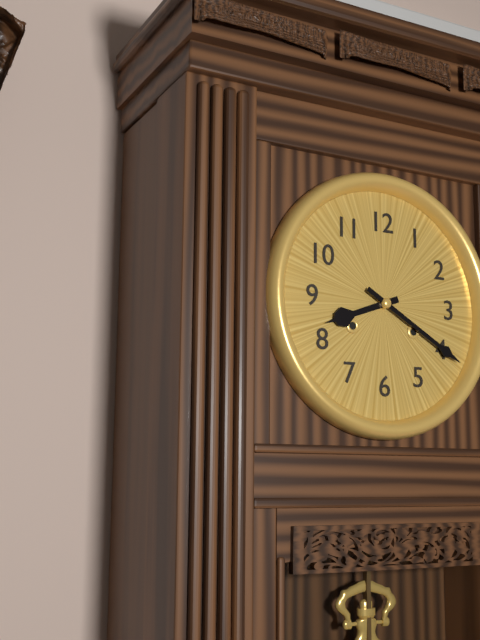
8:20
